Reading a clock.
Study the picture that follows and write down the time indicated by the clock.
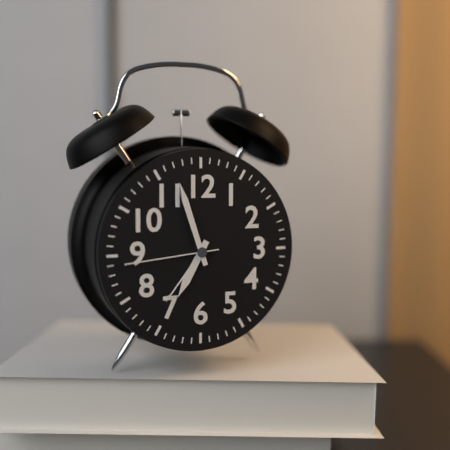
6:57:44
